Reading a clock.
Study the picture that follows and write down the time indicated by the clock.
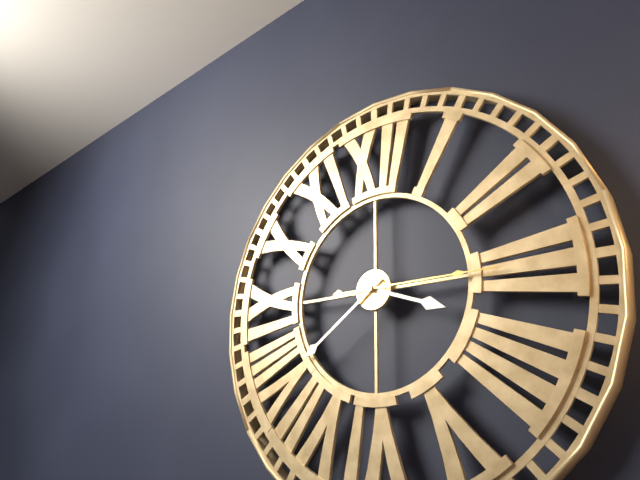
3:39:15
